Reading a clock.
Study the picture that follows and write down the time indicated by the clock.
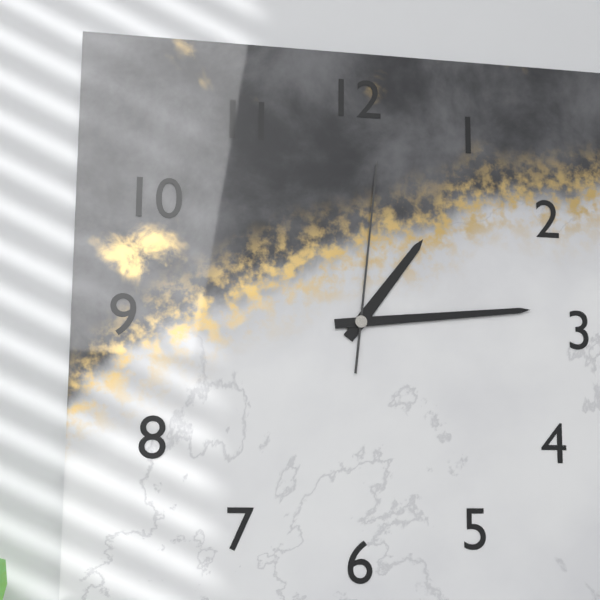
1:14:01
